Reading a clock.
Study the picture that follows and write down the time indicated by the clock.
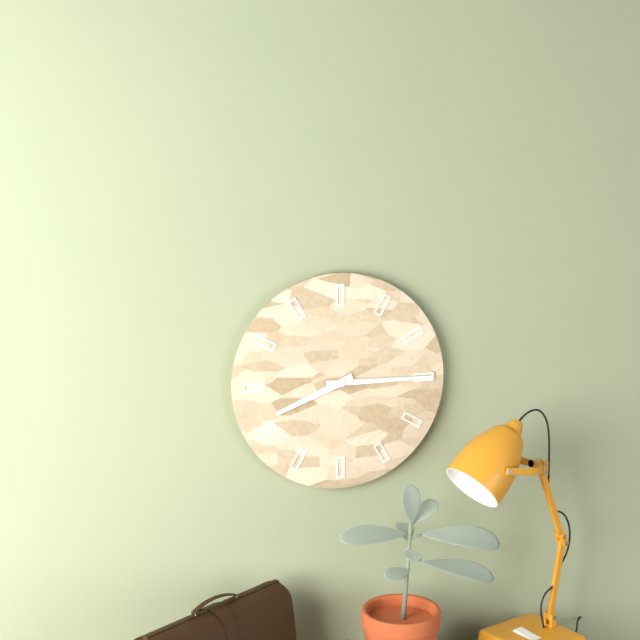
8:15
